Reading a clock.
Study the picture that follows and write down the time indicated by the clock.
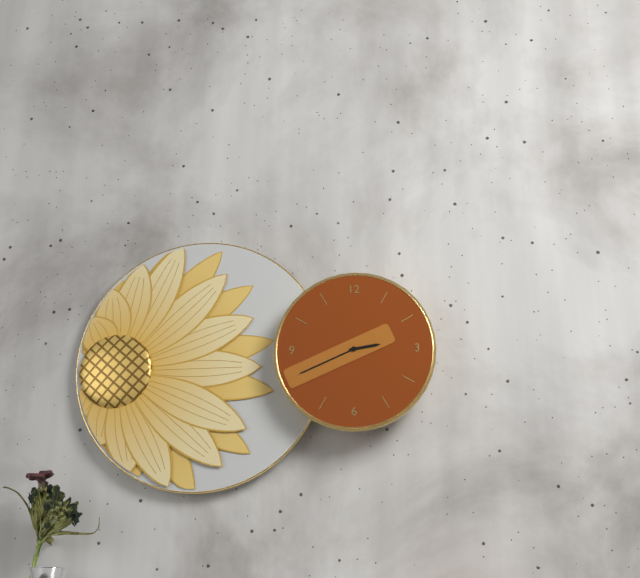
2:41
